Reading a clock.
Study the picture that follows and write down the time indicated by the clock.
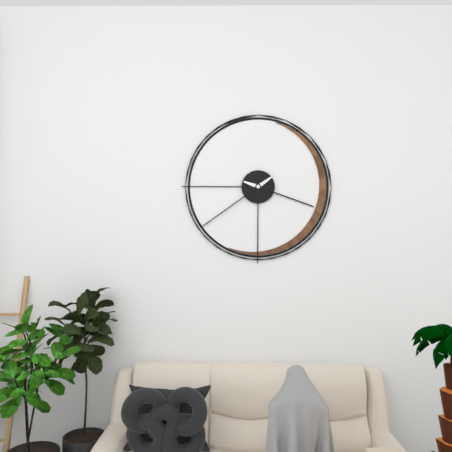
3:39
